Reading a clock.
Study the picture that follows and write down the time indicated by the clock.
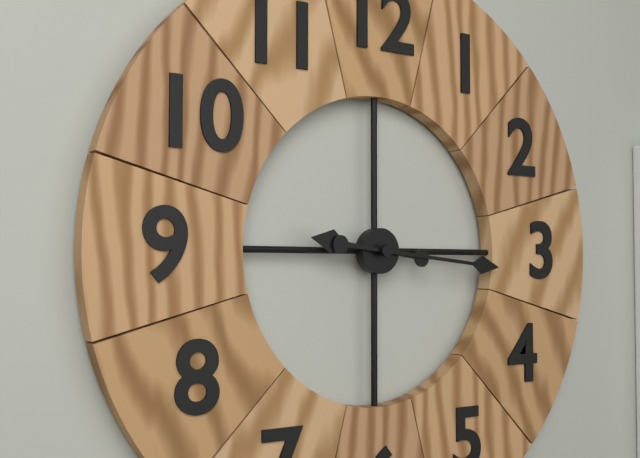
9:16
